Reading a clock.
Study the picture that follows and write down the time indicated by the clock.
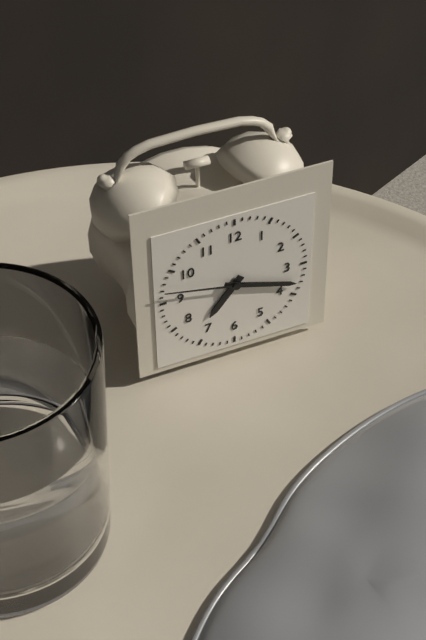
7:18:47
